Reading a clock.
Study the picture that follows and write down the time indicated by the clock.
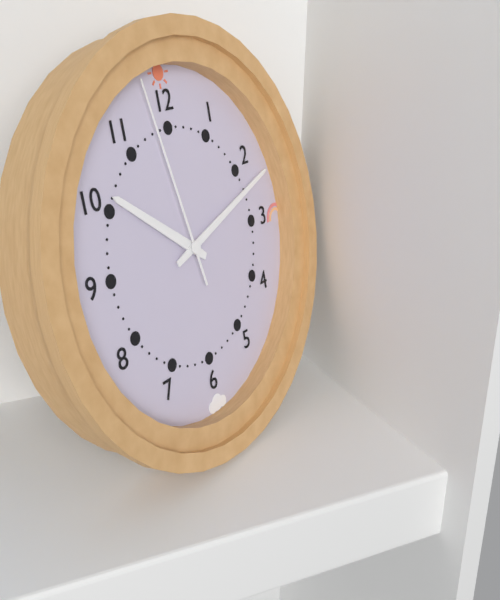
10:12:58
